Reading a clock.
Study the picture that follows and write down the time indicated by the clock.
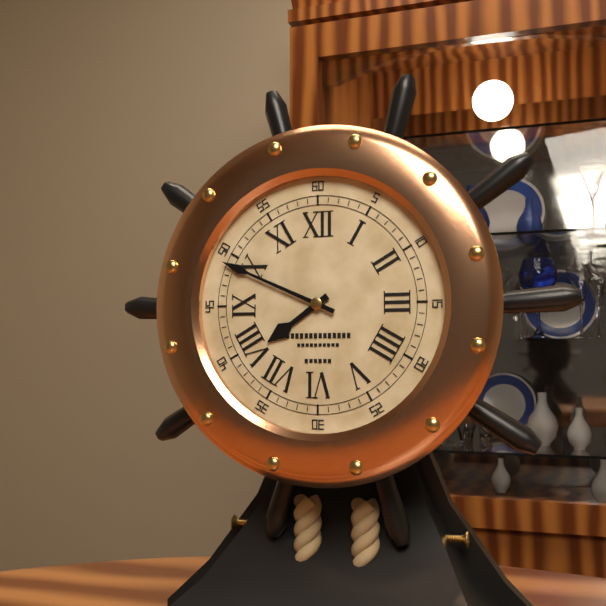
7:49
